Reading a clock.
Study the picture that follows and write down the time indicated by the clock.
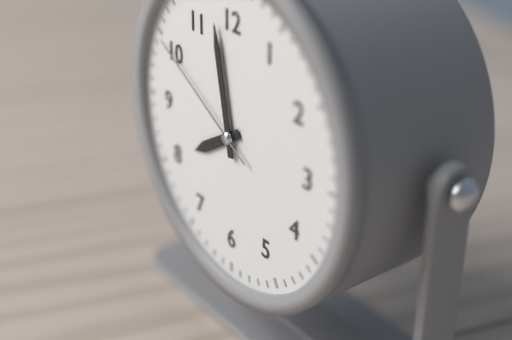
7:58:50
